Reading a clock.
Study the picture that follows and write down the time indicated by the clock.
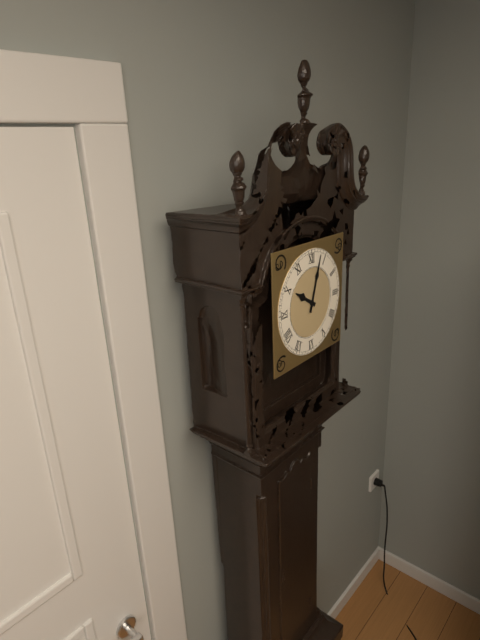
10:03
